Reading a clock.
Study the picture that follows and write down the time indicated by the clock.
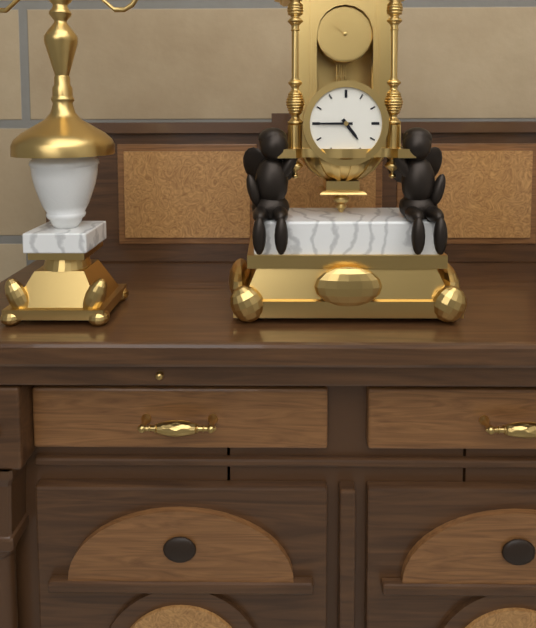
4:45
